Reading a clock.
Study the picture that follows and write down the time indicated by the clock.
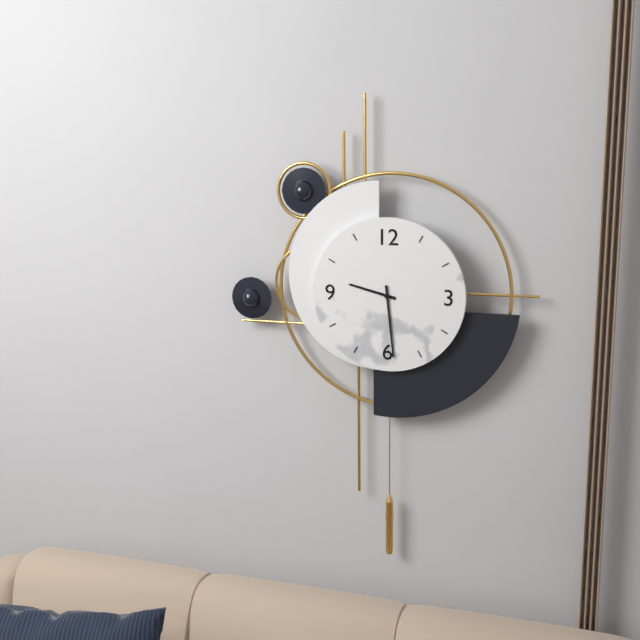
9:29
